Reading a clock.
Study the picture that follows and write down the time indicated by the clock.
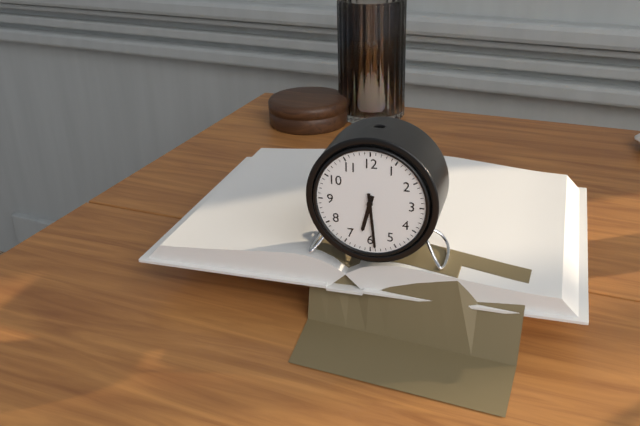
6:29
